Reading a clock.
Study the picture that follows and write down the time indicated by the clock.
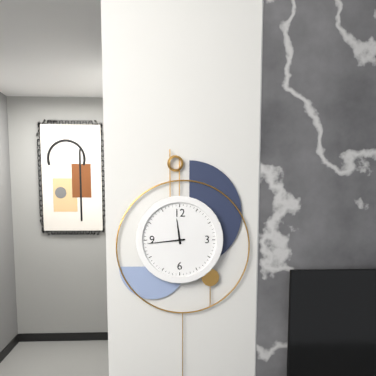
11:44
